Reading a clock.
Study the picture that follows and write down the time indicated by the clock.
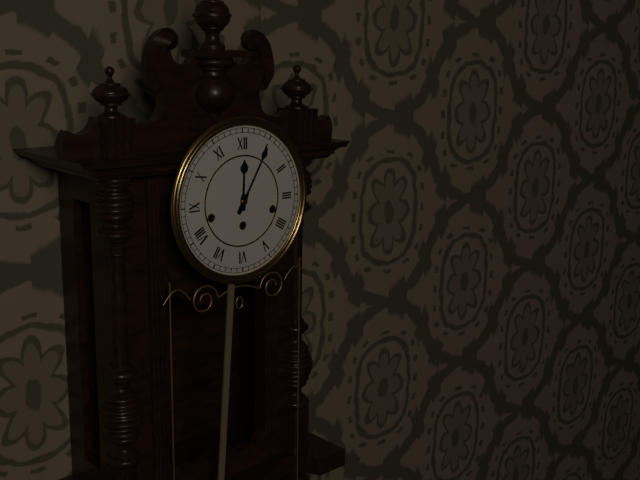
12:05
